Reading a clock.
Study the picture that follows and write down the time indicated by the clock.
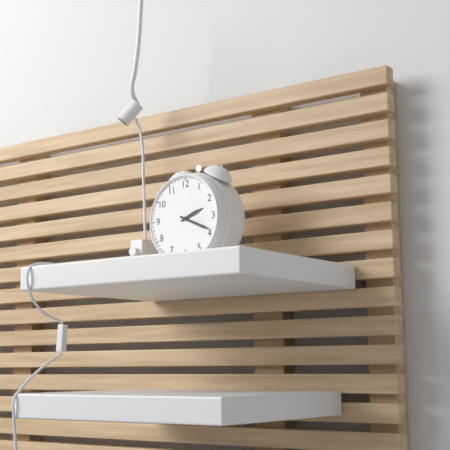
2:19
